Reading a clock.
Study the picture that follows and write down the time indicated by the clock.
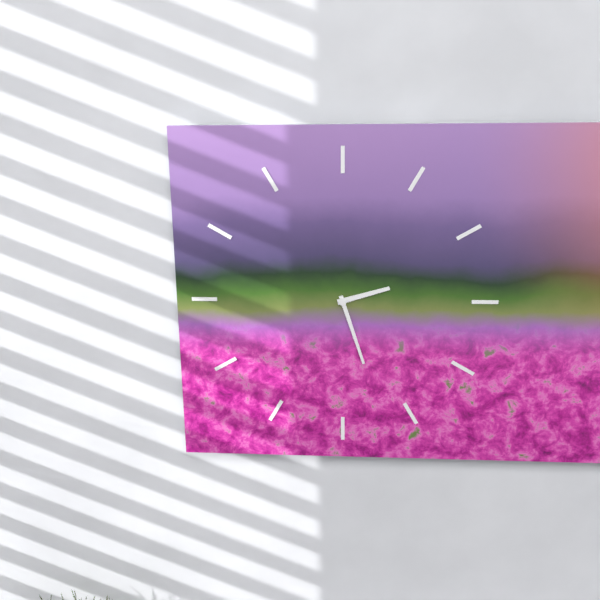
2:27
